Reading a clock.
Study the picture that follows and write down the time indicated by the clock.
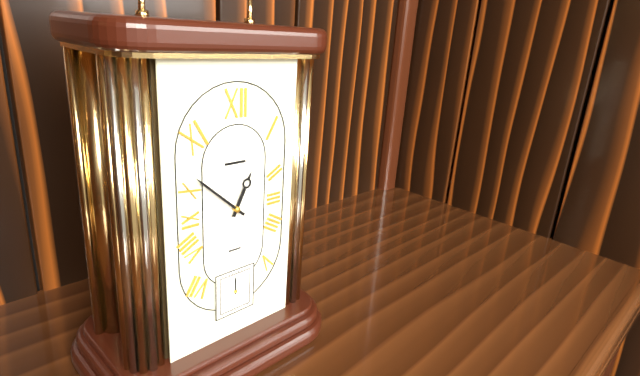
12:52
